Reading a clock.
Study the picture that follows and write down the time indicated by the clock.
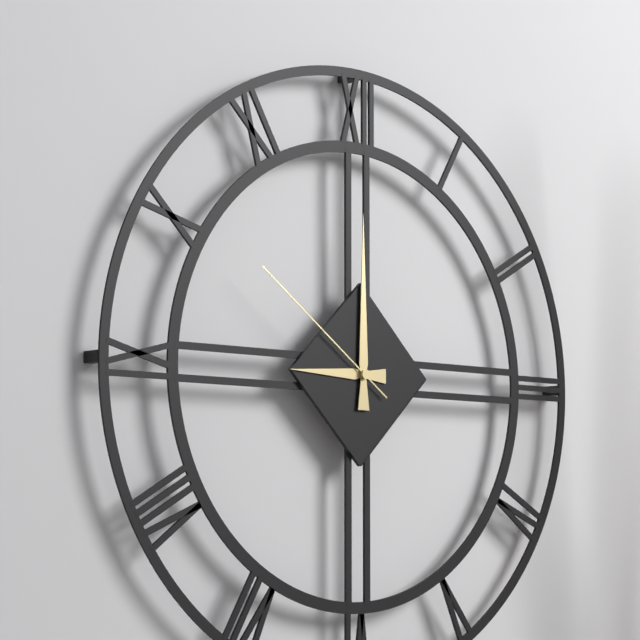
9:00:51
